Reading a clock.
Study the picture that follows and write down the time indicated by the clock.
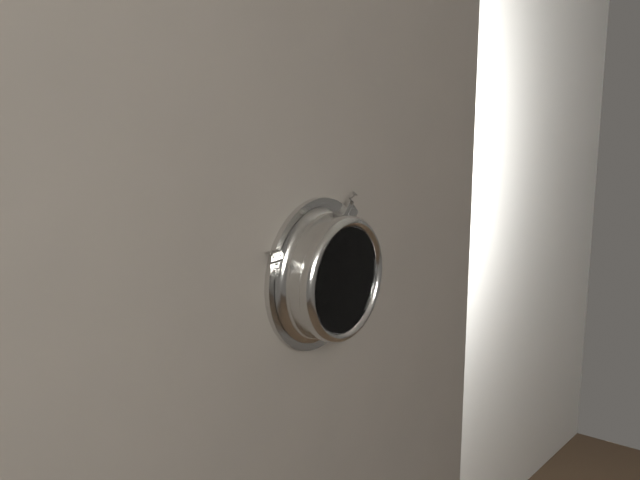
7:38
